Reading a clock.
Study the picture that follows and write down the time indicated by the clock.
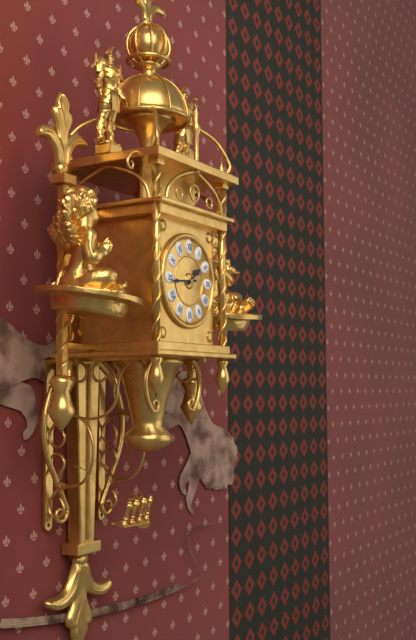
1:44
